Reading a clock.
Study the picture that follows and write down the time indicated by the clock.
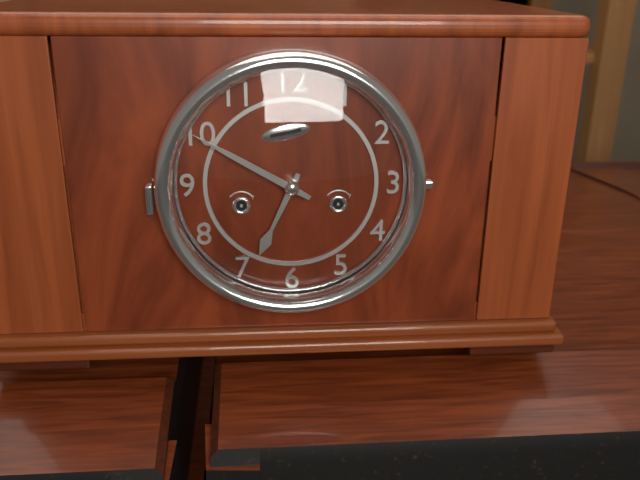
6:50
